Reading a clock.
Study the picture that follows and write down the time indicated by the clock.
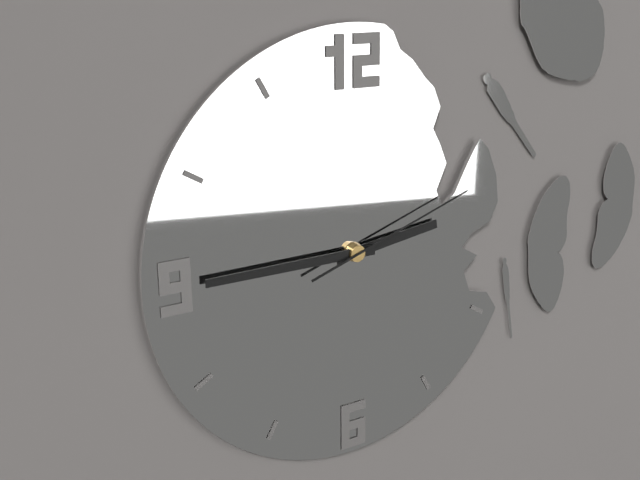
2:45:12
